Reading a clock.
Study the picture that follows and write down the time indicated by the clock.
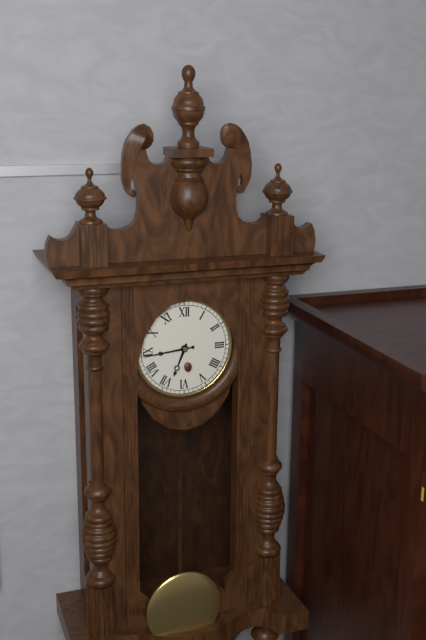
6:44
